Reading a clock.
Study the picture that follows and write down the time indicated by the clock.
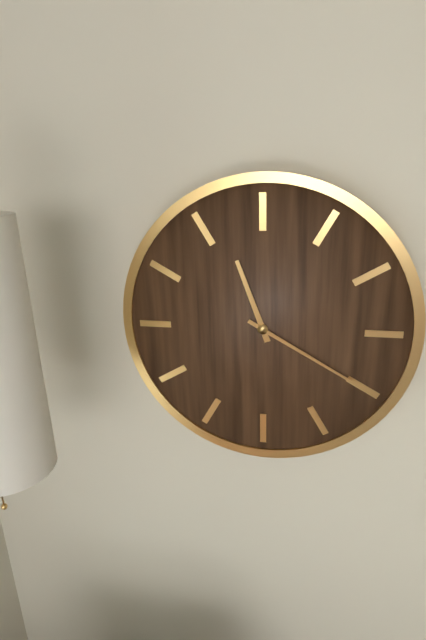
11:20
